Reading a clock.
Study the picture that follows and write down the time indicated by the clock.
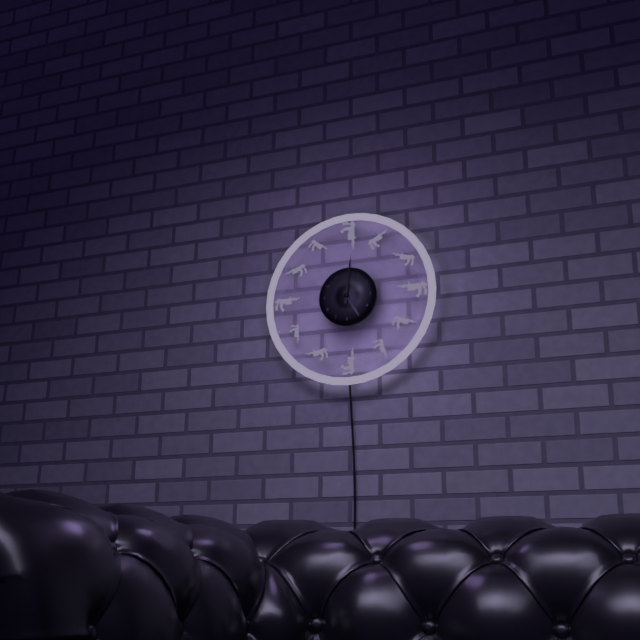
5:01
